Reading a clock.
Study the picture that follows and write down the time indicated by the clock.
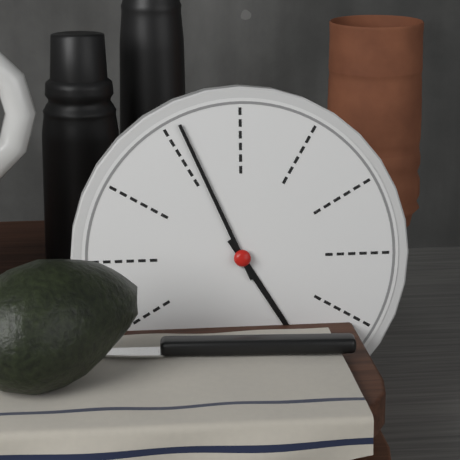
4:56
